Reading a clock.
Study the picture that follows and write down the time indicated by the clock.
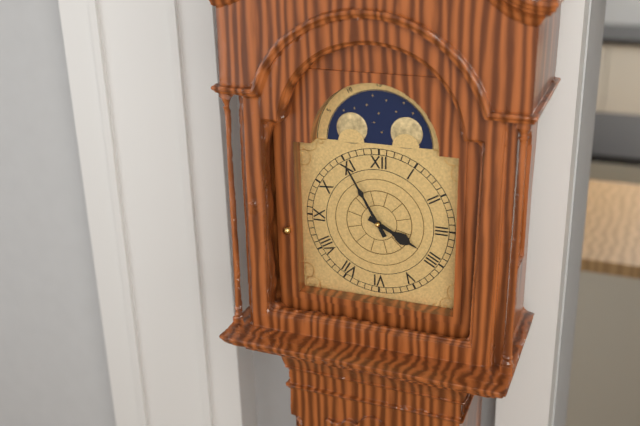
3:55
